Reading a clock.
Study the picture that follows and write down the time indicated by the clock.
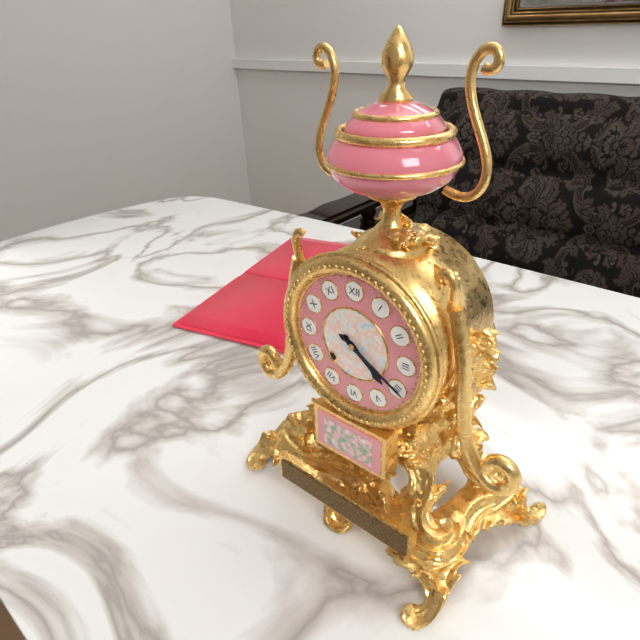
4:20
